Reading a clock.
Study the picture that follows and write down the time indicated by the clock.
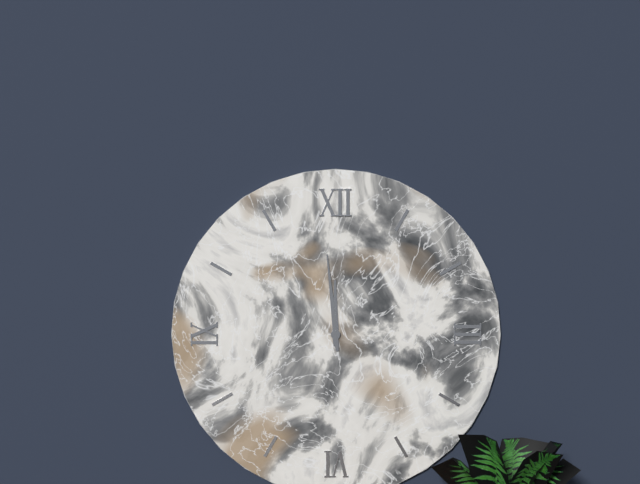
11:59
